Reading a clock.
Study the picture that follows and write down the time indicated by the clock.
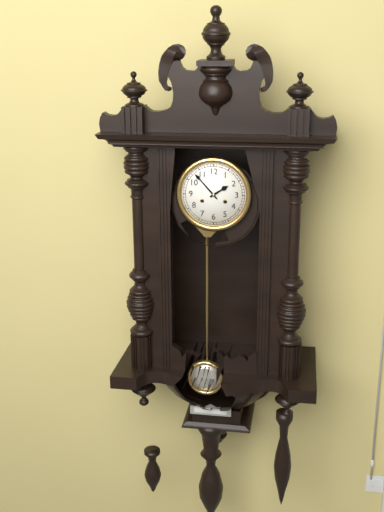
1:53
